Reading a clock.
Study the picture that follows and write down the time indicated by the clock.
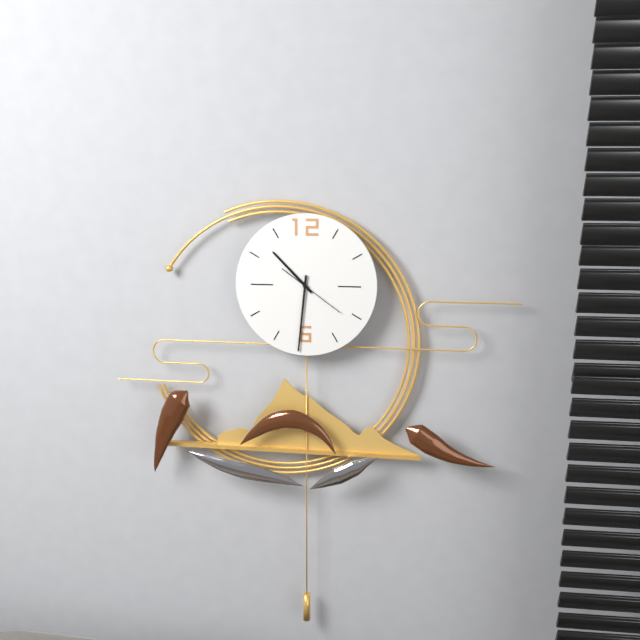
10:31:21
